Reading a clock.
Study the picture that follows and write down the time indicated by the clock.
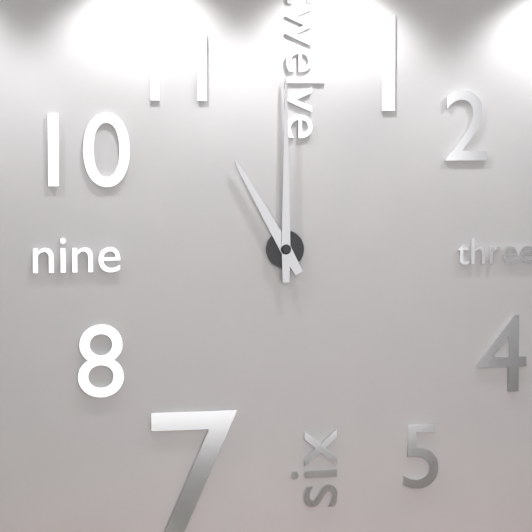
11:00
